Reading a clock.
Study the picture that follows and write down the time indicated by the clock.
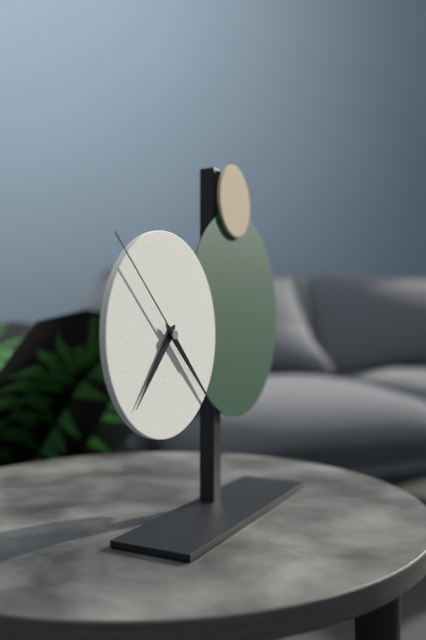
7:22:52
